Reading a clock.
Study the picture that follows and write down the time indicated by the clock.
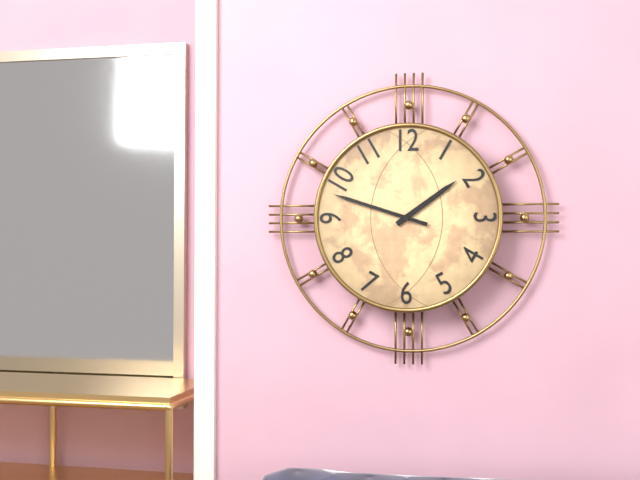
1:48
